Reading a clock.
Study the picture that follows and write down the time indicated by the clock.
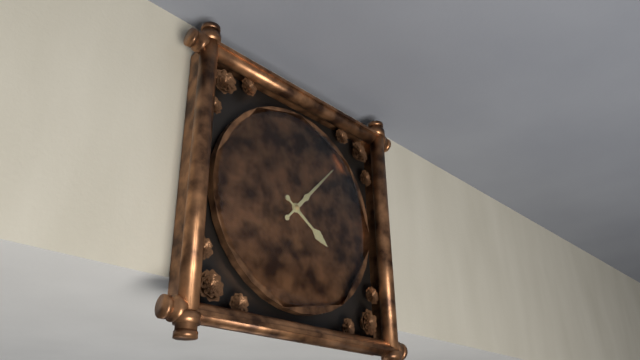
4:07
